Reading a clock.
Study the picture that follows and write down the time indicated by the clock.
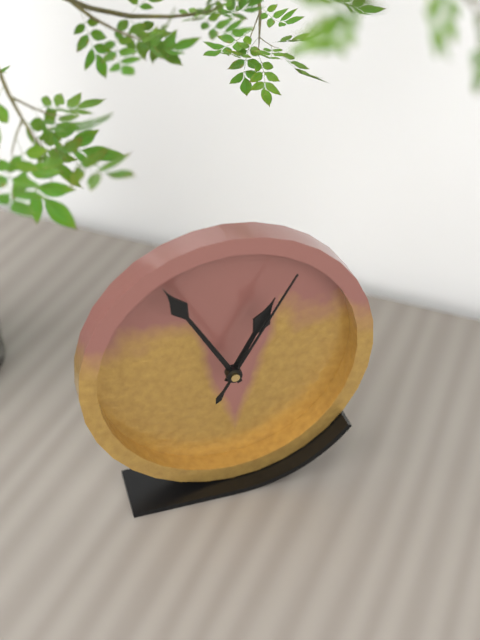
12:55:05
